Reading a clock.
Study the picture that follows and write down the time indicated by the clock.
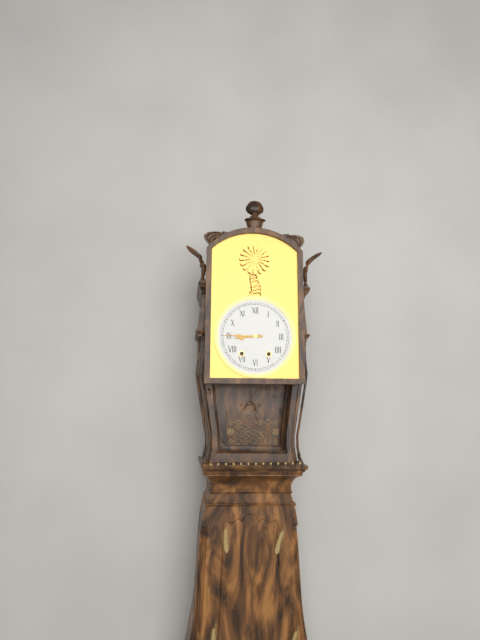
8:45
